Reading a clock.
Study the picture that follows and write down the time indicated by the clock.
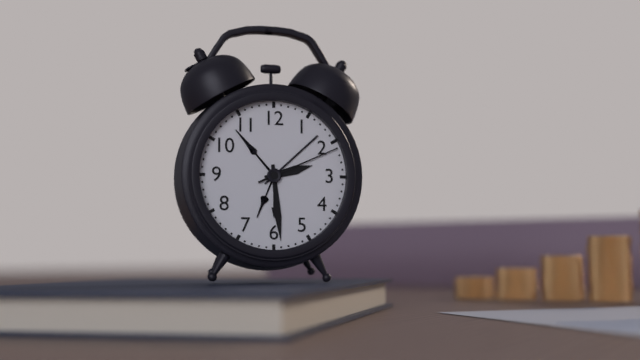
2:29:11
